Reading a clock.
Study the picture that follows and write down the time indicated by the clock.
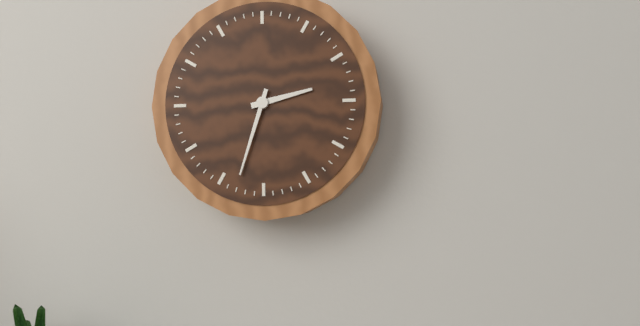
2:33
